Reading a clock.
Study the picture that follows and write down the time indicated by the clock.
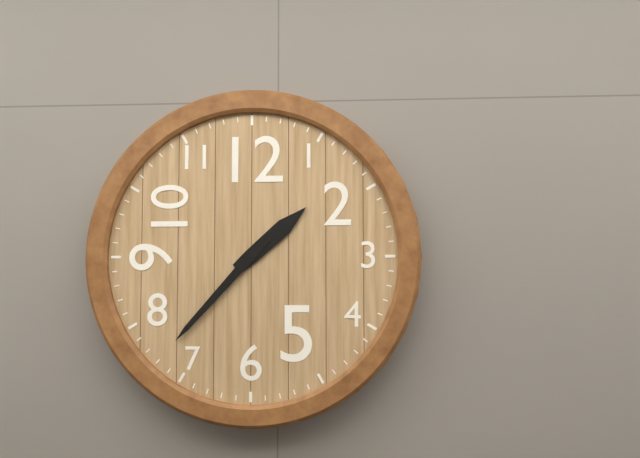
1:37
